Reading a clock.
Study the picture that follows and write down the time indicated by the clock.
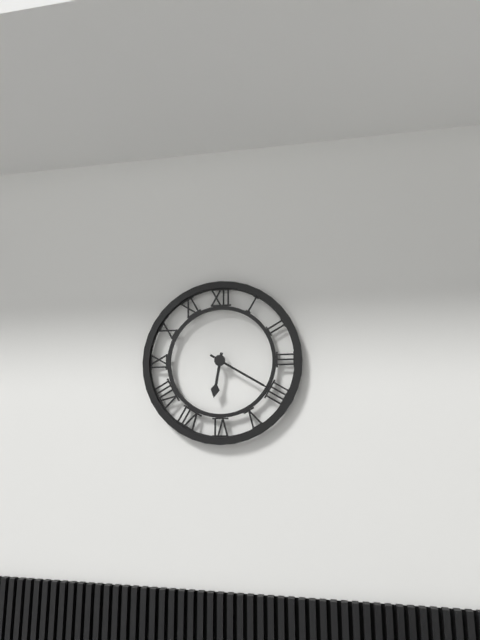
6:20
